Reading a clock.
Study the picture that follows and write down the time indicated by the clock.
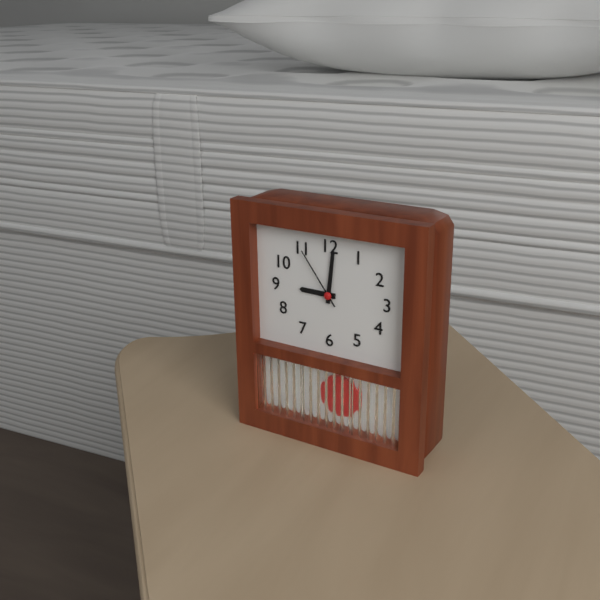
9:01:54
